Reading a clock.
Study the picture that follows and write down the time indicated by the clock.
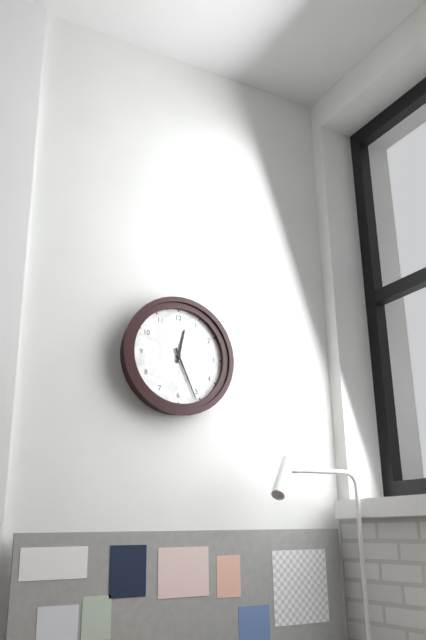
12:26
